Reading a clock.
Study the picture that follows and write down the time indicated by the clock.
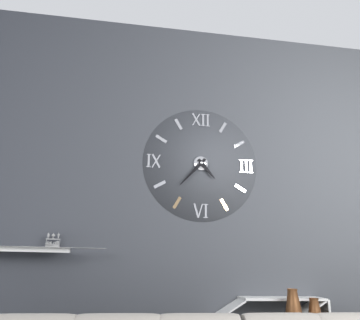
4:37
